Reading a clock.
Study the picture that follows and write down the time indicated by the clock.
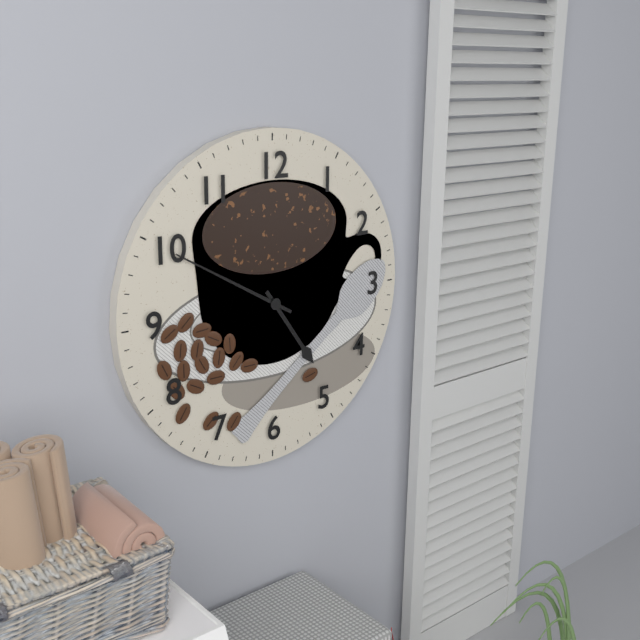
4:50
